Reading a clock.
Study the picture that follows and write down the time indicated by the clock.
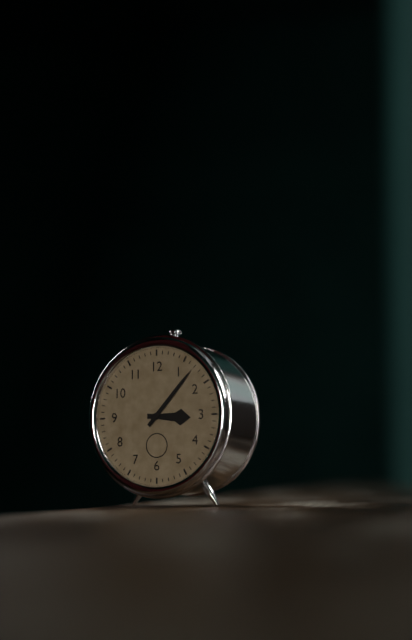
3:07
